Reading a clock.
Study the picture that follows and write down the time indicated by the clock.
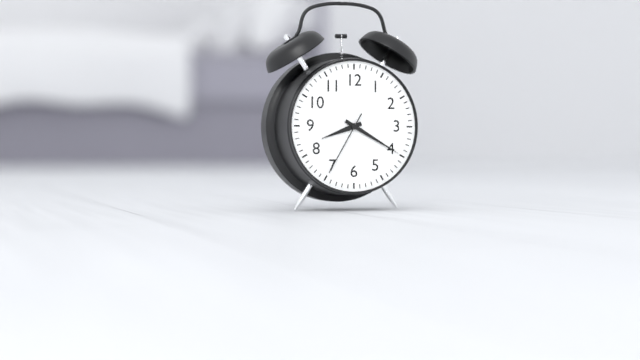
8:20:35
